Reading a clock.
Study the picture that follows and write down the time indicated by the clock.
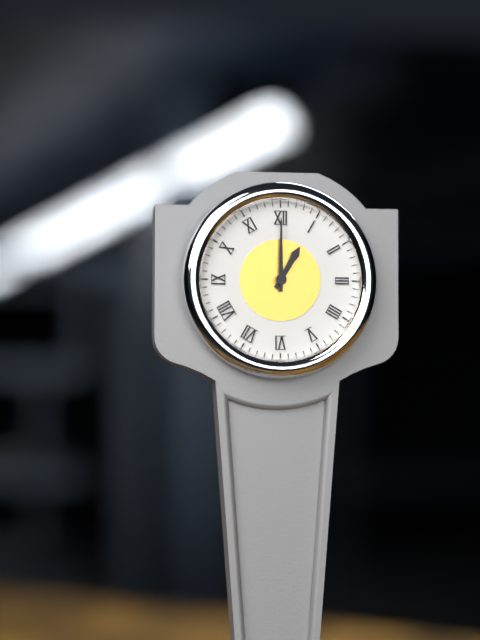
1:00
